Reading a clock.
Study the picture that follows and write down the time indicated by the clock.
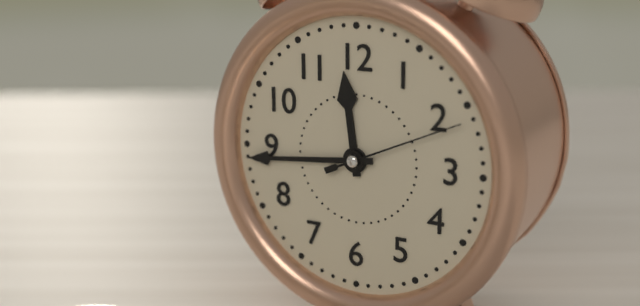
11:44:11
